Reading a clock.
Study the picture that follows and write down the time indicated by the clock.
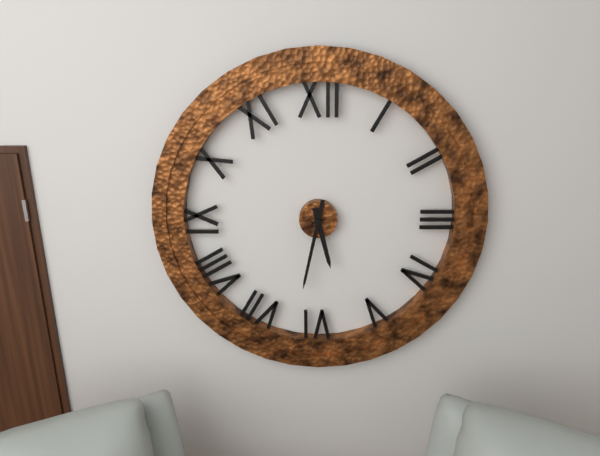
5:32
